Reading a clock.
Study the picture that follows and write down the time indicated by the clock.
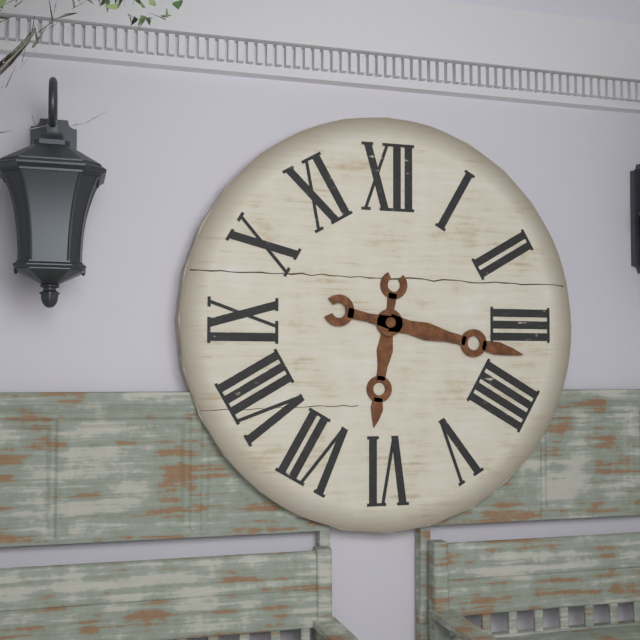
6:17
